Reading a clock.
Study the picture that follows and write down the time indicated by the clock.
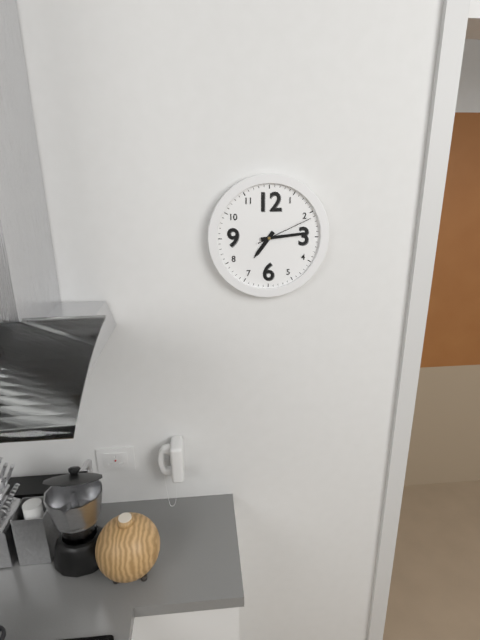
7:14:11
